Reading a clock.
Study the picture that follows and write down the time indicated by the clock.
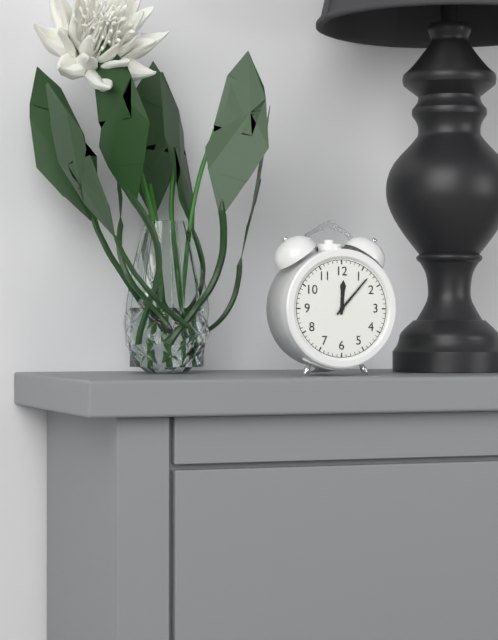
12:07
